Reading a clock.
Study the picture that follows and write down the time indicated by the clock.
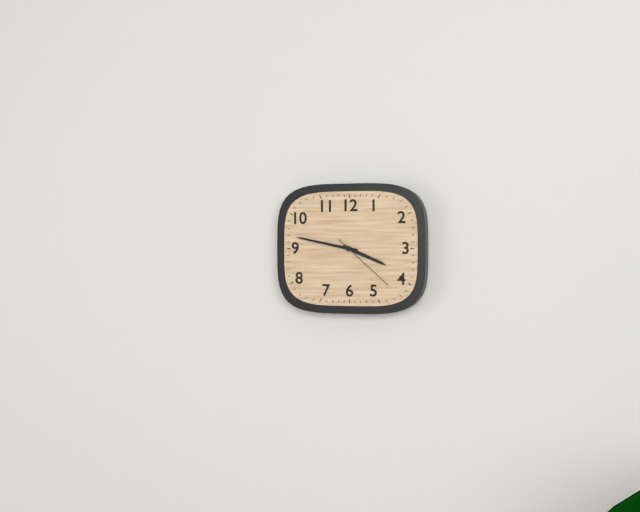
3:47:22
